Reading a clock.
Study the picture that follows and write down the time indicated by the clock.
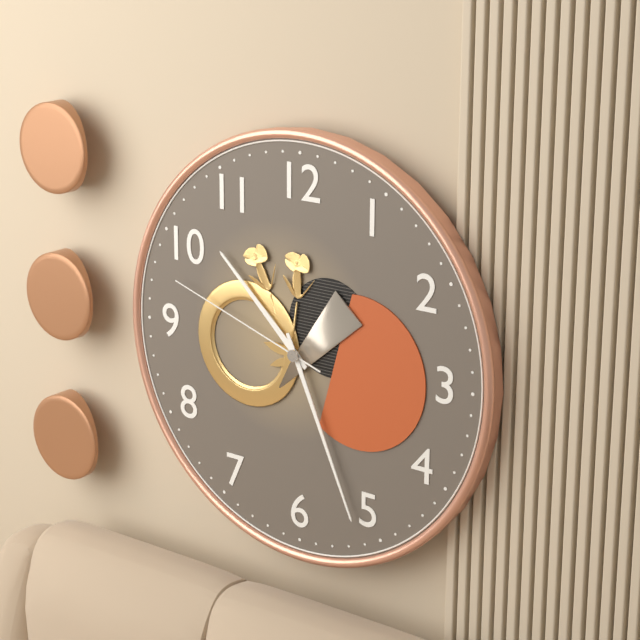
10:26:48
